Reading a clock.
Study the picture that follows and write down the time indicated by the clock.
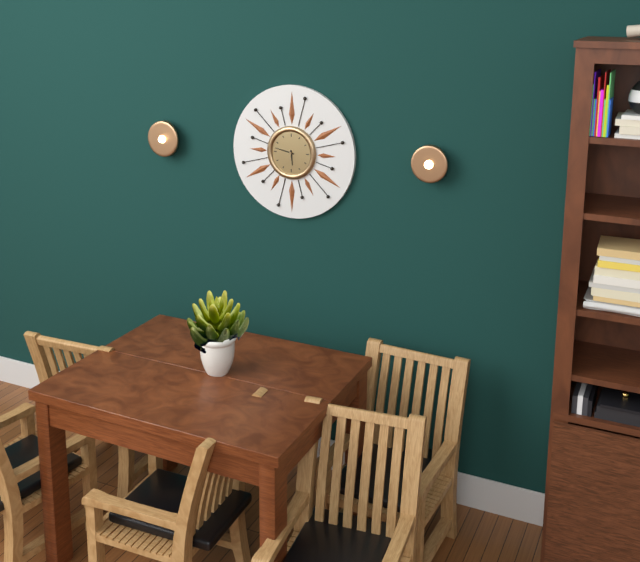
5:47
